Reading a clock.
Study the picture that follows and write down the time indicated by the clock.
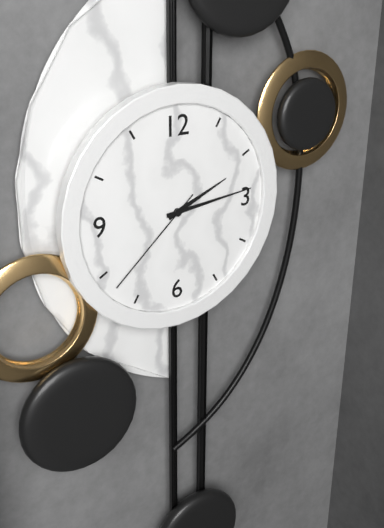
2:14:38
